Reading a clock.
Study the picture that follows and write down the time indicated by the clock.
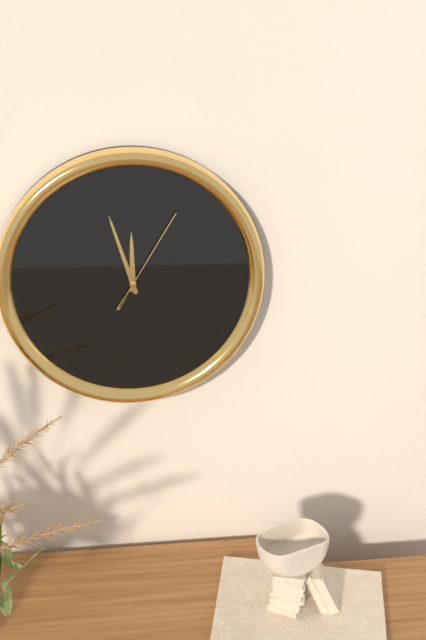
11:57:05
